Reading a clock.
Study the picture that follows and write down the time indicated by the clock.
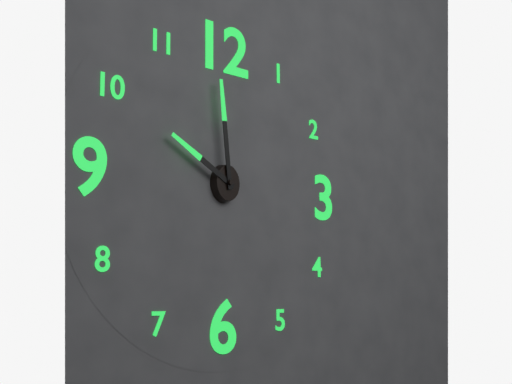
9:59
